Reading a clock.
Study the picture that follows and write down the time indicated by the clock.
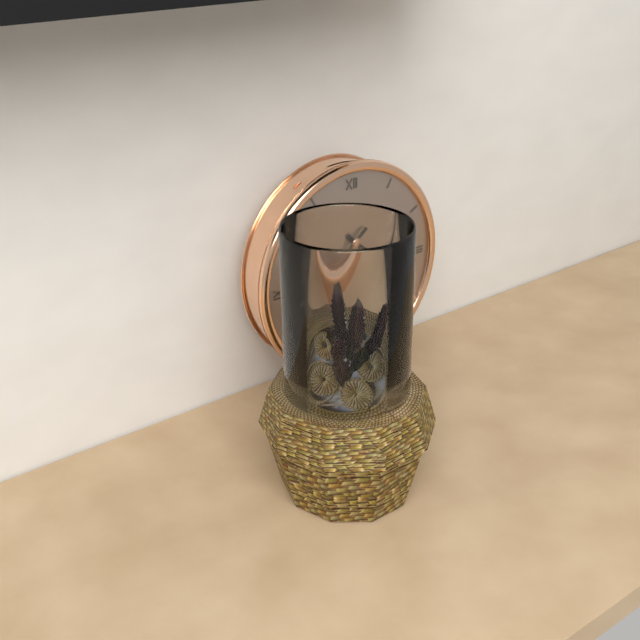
4:40
